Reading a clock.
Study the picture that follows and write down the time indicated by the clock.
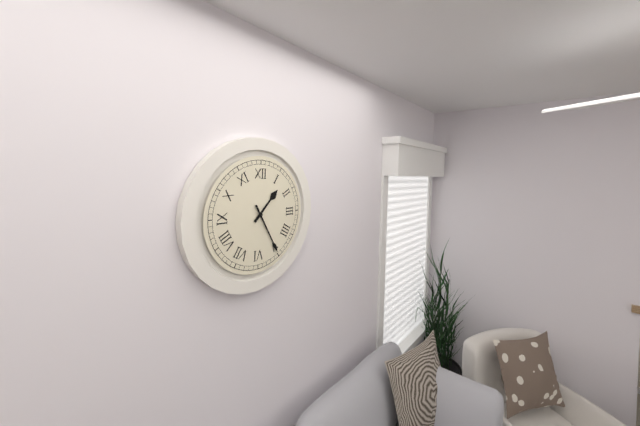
1:25
